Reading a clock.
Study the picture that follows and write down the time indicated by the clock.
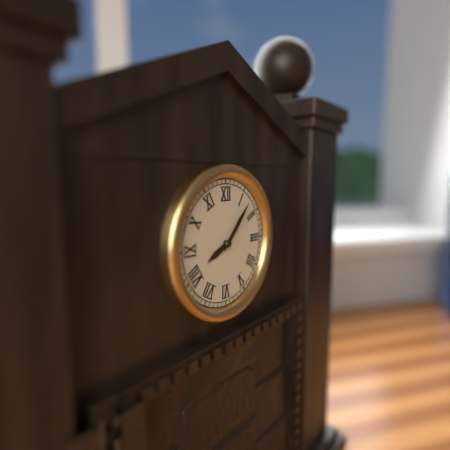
8:07
